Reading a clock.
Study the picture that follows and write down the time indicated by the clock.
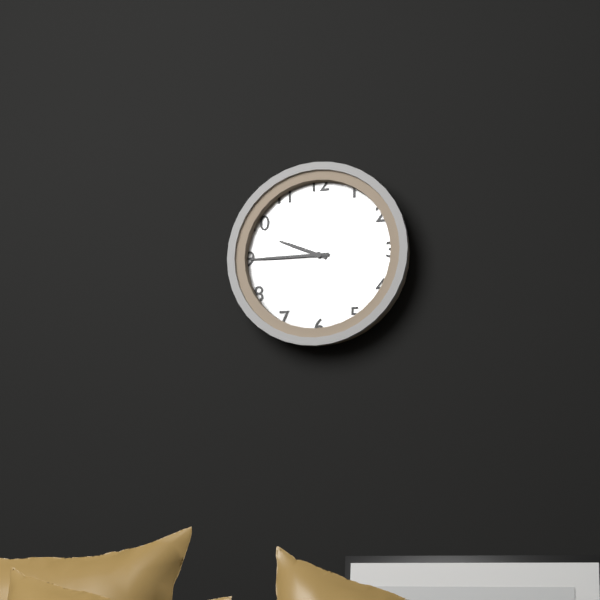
9:45
